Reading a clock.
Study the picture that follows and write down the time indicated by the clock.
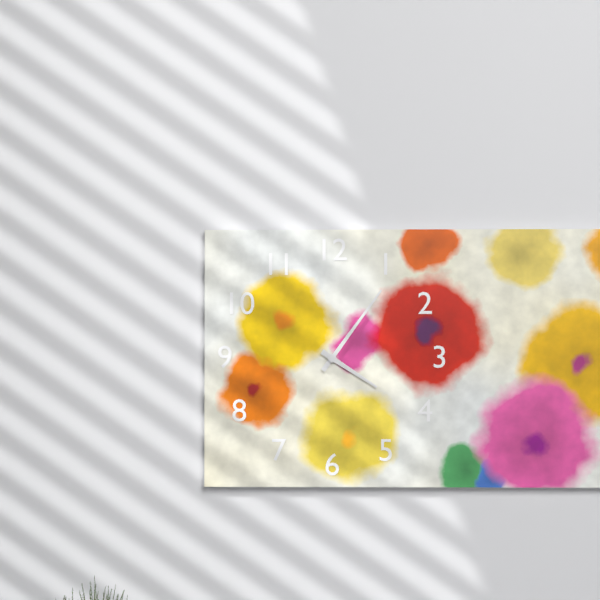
4:06
